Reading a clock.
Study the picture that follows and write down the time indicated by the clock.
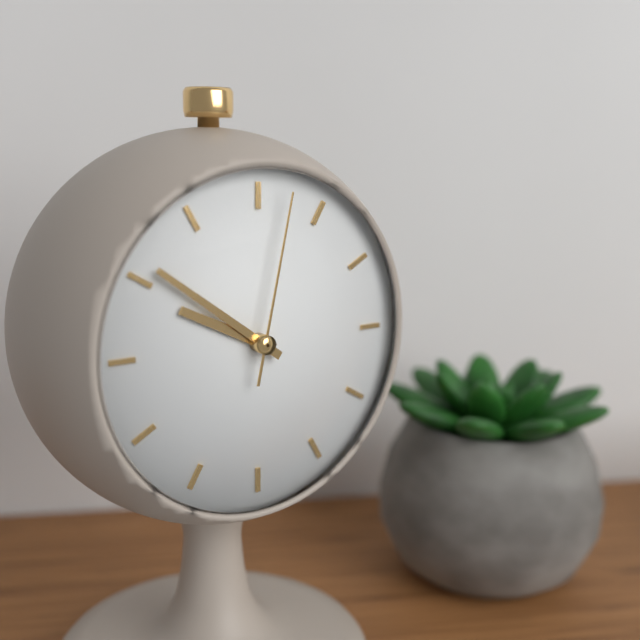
9:51:02
